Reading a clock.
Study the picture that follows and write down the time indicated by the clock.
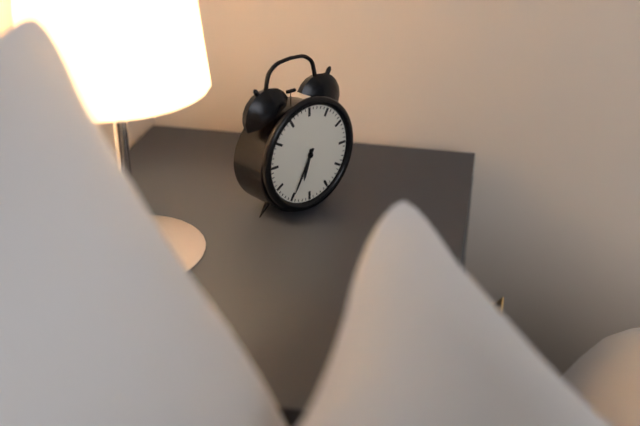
6:35
